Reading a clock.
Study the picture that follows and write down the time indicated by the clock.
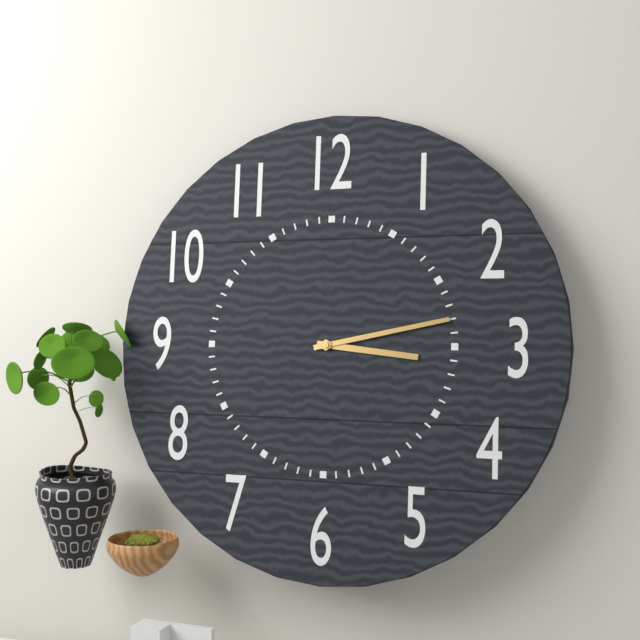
3:13
